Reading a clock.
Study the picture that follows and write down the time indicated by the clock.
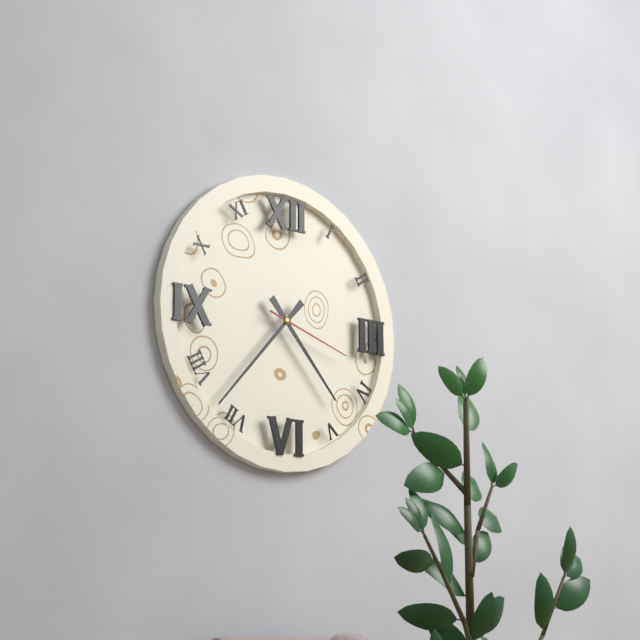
4:37:18
